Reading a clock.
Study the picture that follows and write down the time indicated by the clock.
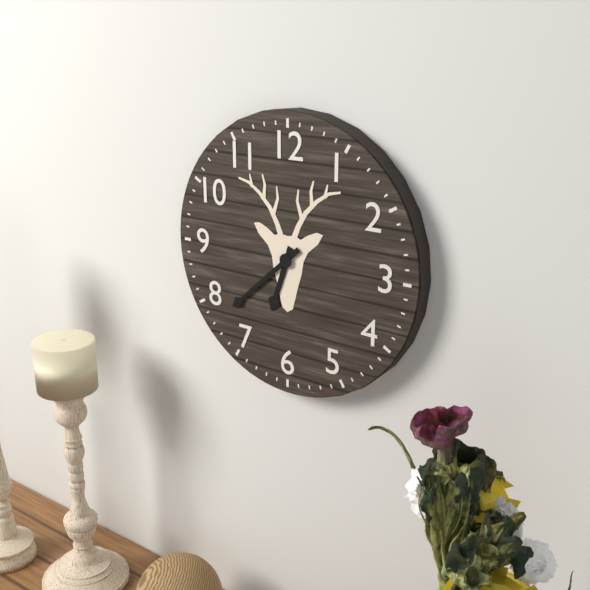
6:38
